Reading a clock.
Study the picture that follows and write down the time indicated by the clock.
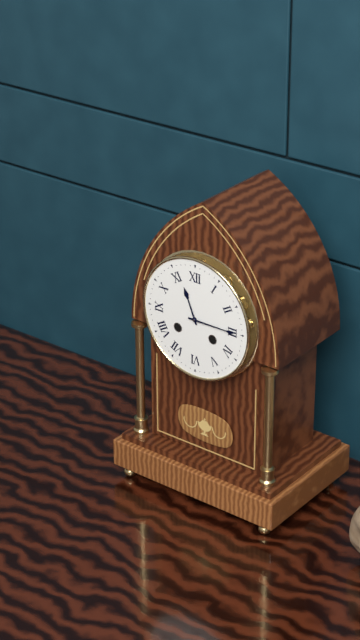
11:15
